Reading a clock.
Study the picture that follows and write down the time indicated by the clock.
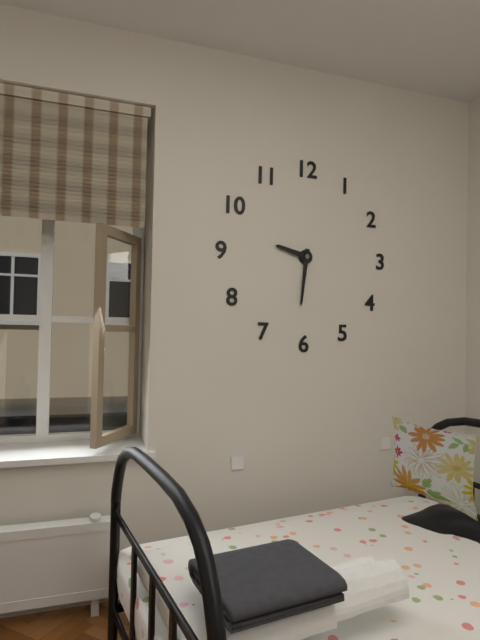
9:31
